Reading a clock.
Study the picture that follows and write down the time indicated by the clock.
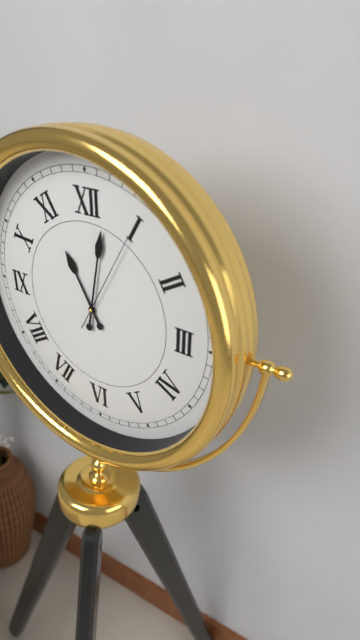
11:02:05
